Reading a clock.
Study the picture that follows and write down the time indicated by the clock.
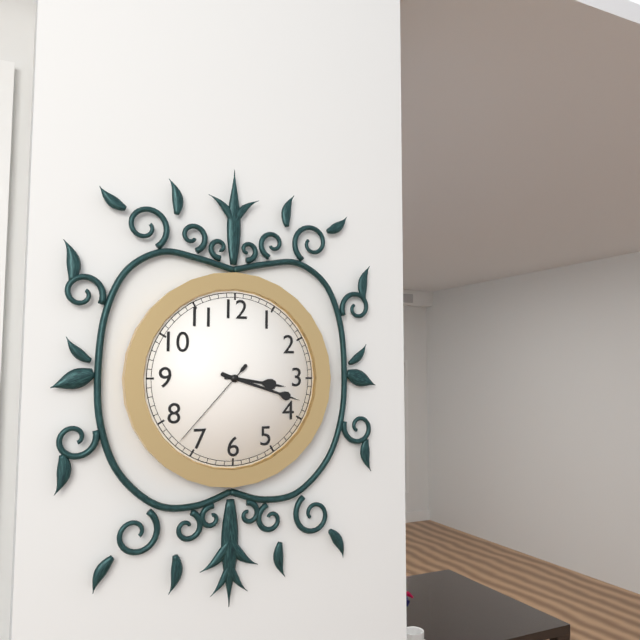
3:18:37
